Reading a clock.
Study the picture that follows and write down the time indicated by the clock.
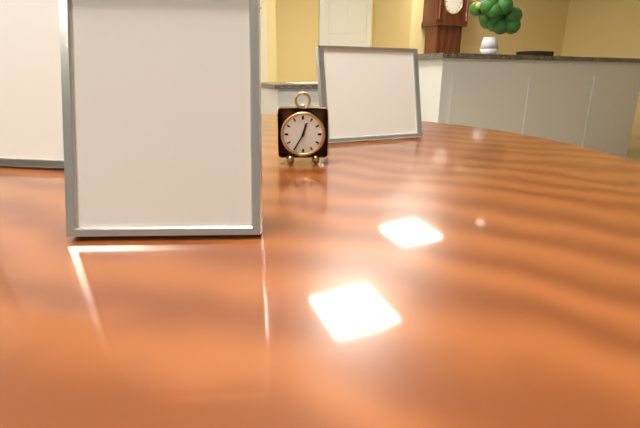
12:35
